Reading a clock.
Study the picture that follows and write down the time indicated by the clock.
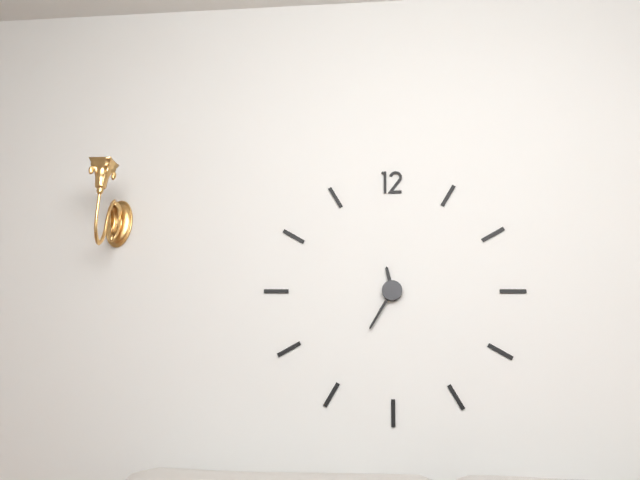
11:35
